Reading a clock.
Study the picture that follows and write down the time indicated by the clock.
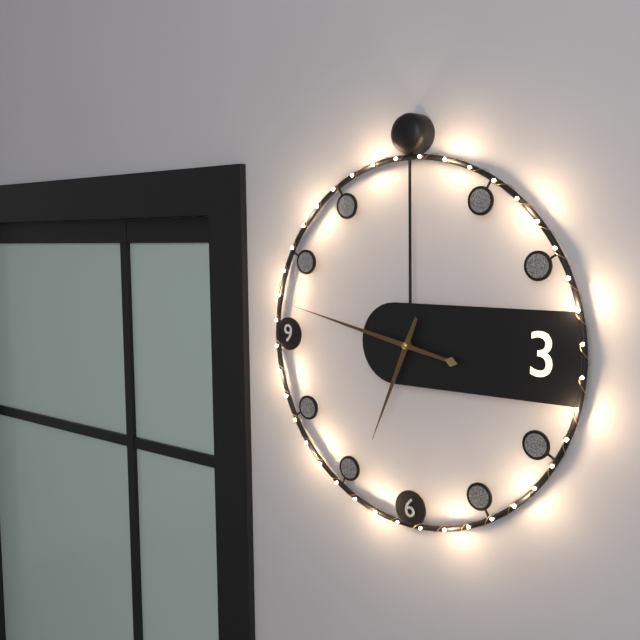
6:47
